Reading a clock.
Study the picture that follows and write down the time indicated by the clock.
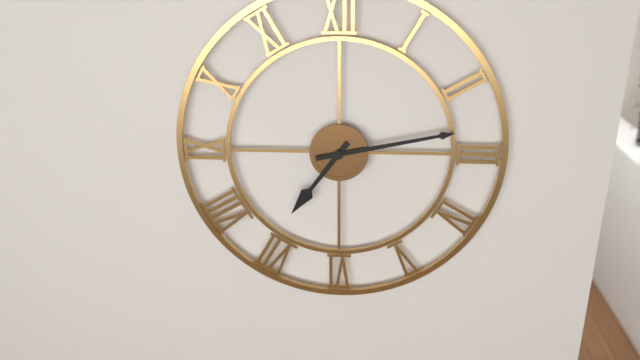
7:13
